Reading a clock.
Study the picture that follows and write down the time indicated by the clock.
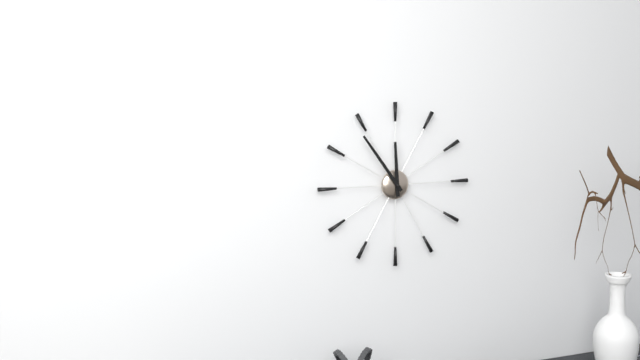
11:54
